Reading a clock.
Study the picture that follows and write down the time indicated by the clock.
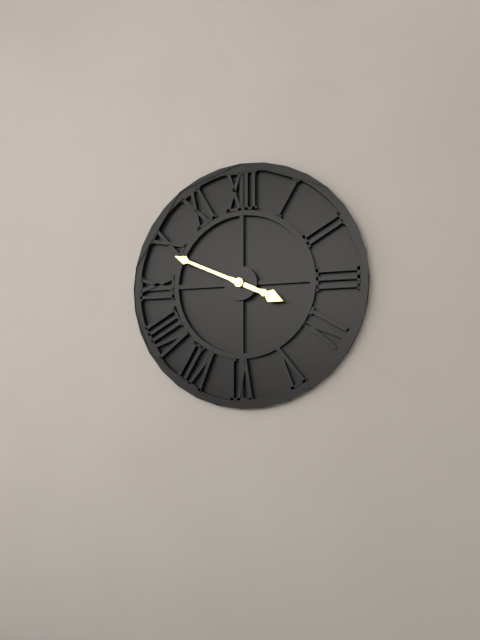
3:49
